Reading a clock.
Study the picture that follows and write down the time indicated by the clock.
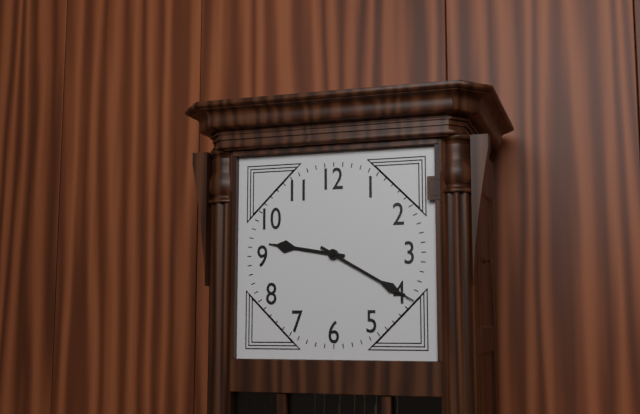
9:20
